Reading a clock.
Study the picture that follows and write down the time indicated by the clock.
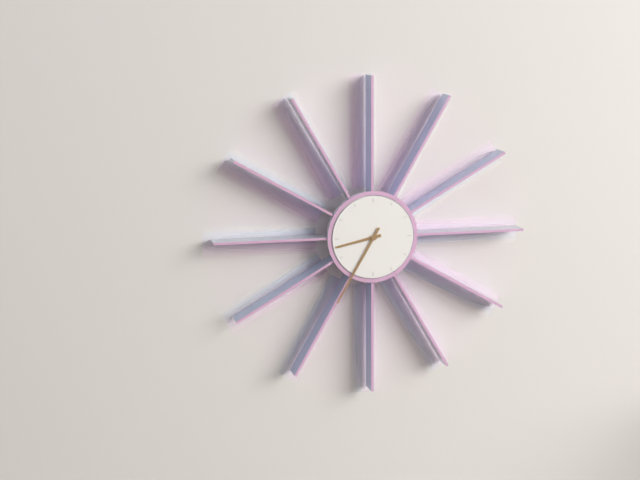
8:35
